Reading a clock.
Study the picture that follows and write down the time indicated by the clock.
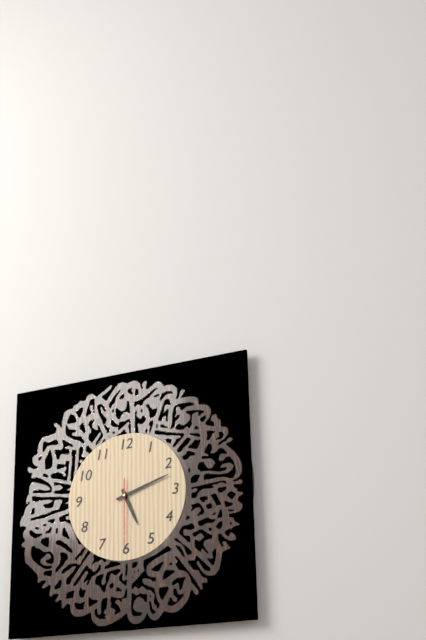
5:12:30
